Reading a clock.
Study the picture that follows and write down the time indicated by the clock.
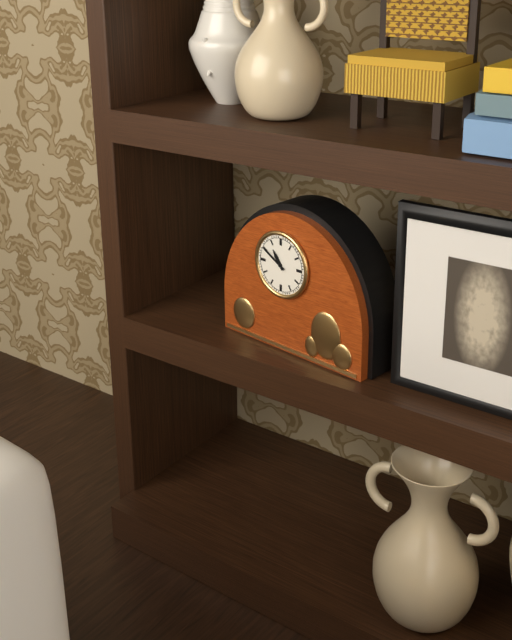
10:50
